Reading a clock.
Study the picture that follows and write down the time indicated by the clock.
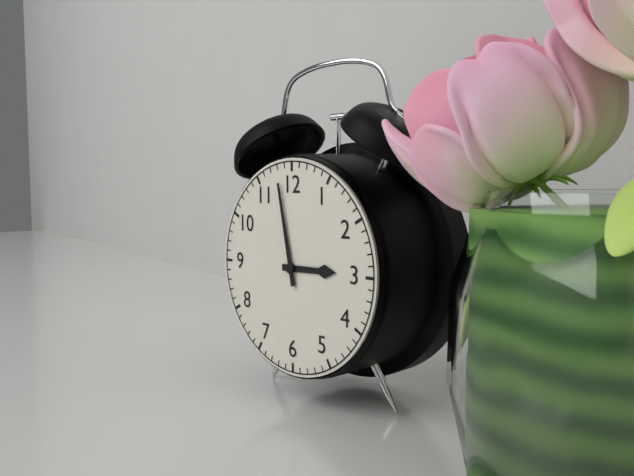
2:58
